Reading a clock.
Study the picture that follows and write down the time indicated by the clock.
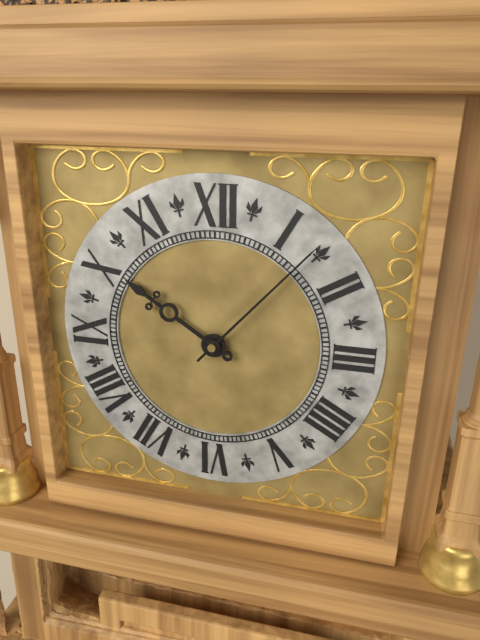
10:07
